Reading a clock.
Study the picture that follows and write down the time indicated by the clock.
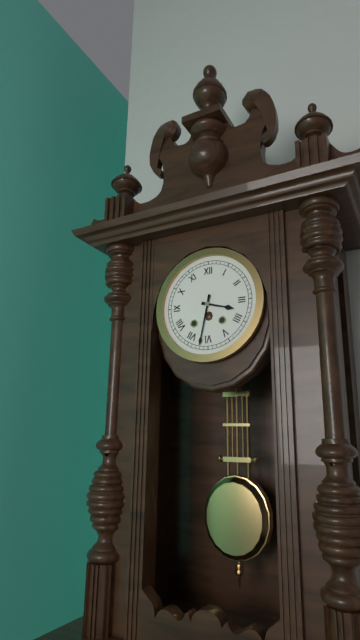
3:32
